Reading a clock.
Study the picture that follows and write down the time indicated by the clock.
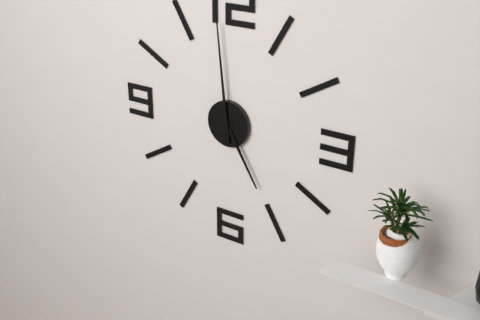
4:59
